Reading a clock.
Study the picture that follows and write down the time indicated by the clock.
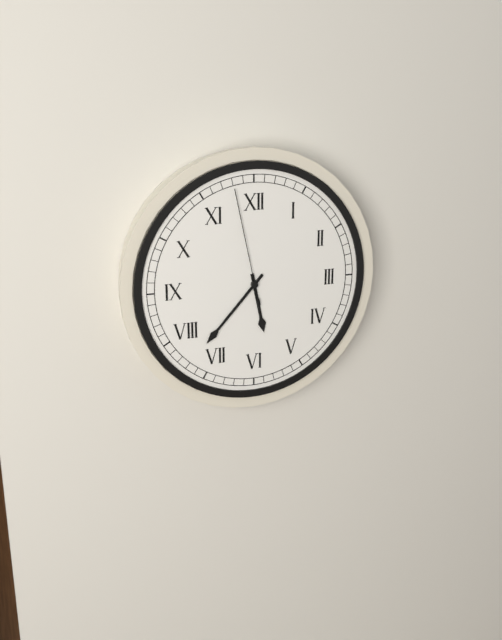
5:37:58
